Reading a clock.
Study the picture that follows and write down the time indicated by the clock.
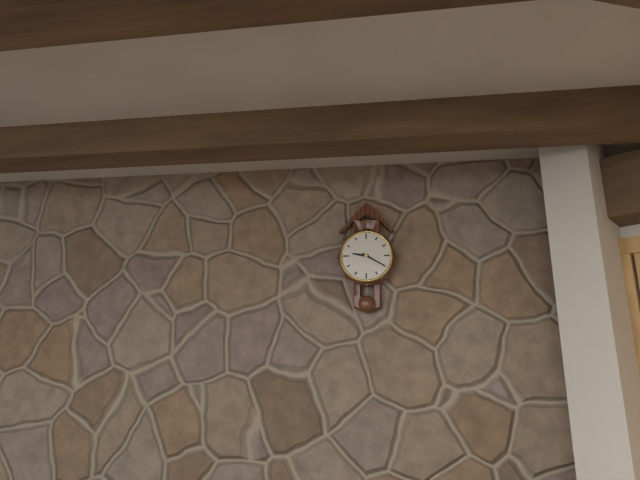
9:20
